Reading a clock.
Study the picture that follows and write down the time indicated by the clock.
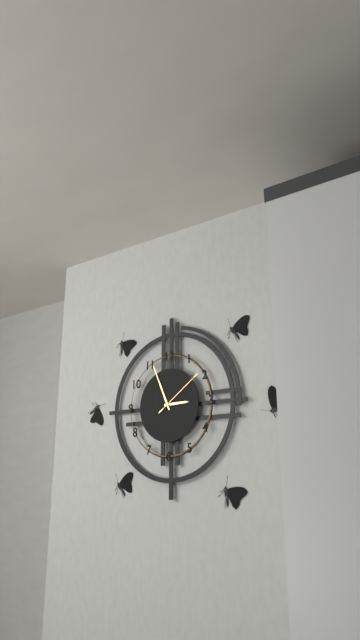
2:56:09
